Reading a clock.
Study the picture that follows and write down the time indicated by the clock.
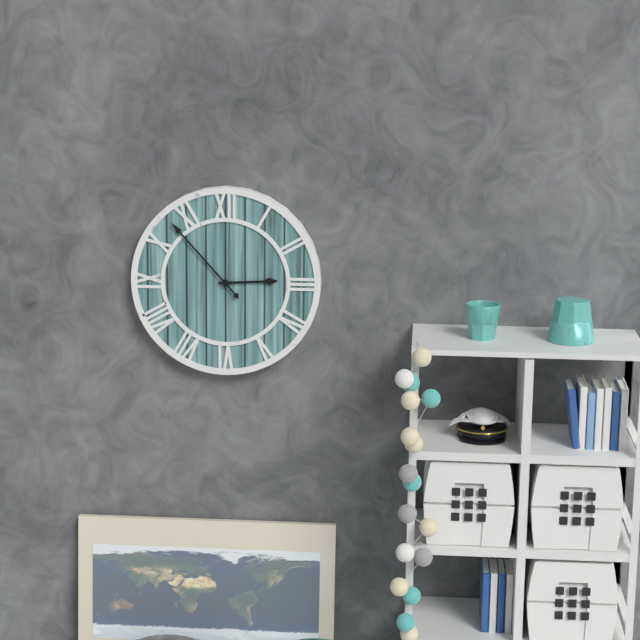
2:53
